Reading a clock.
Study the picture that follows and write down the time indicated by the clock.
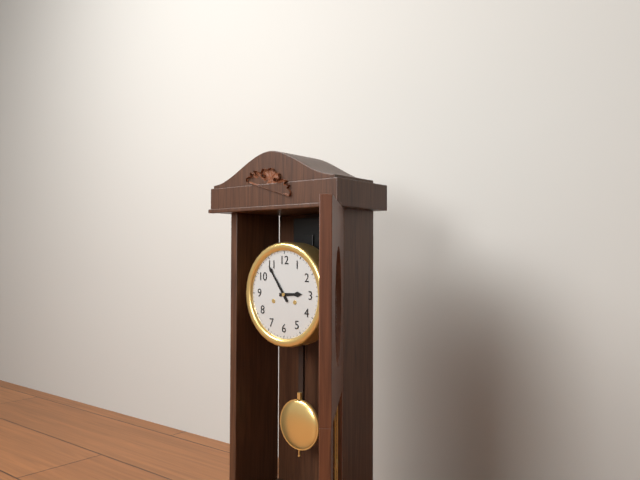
2:54
